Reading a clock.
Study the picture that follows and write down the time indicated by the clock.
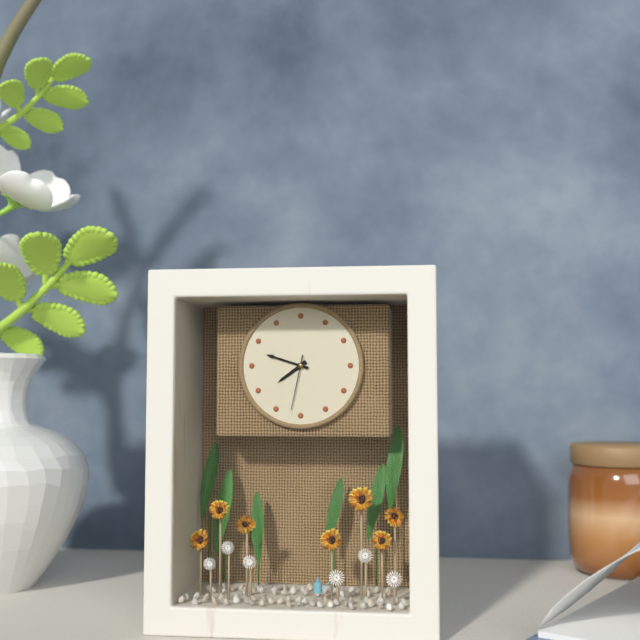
7:48:32
